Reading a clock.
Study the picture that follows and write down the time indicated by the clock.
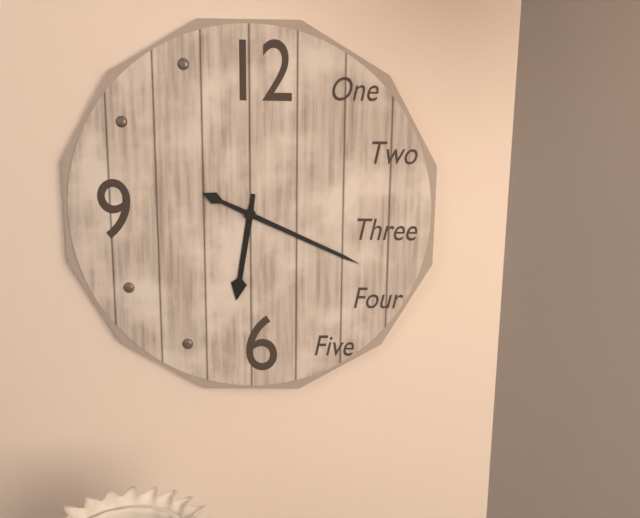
6:19
